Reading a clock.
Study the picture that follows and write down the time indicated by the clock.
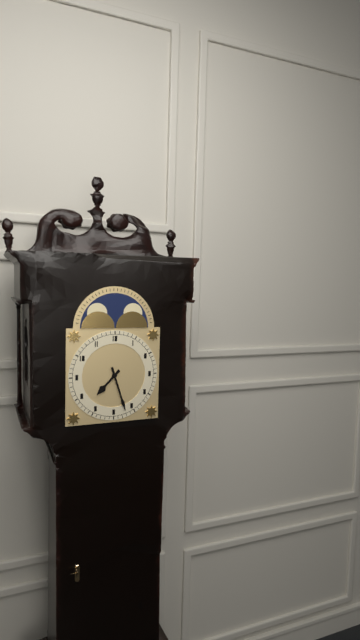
7:27
